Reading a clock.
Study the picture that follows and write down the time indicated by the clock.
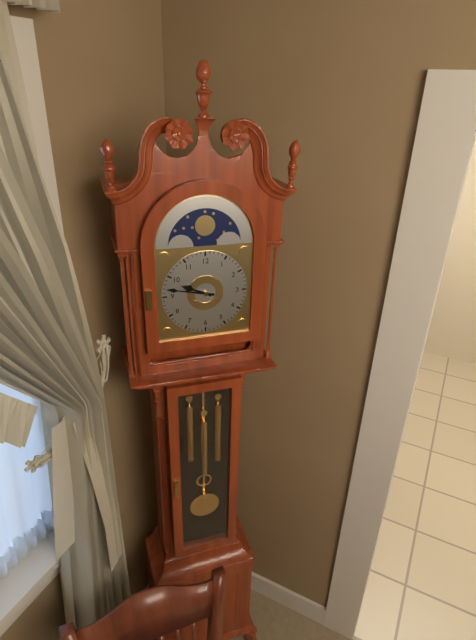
9:47
